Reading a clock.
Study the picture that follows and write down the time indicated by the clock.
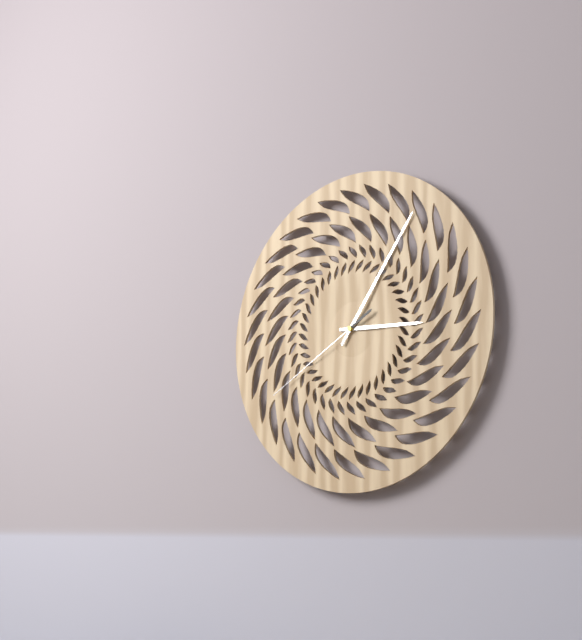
3:06:40
